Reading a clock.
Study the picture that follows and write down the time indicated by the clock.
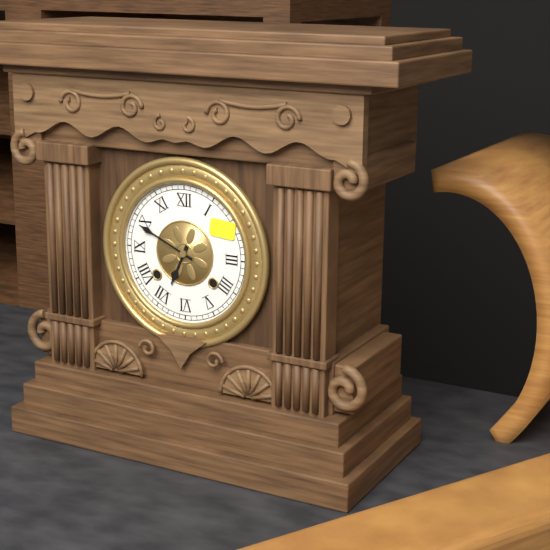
6:49
